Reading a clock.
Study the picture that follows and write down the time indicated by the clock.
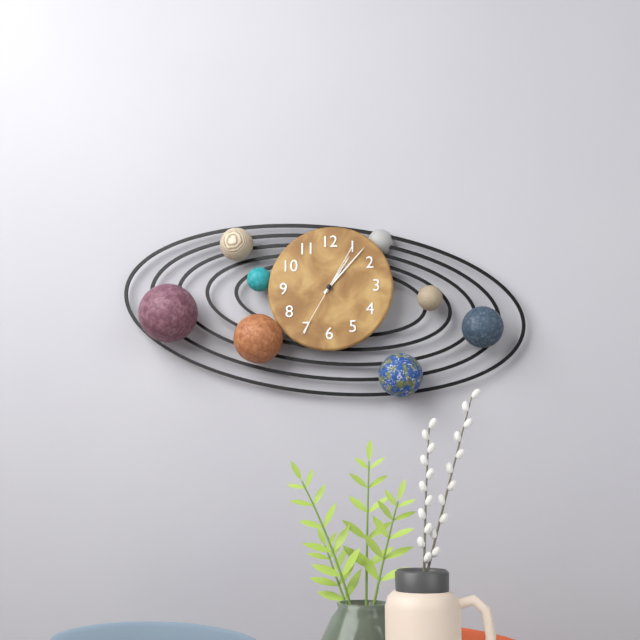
1:07:35
